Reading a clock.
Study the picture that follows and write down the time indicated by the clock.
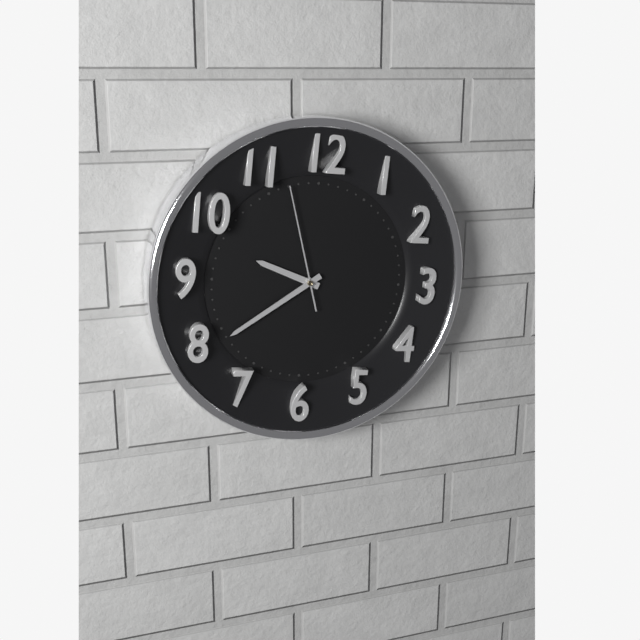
9:39:57
